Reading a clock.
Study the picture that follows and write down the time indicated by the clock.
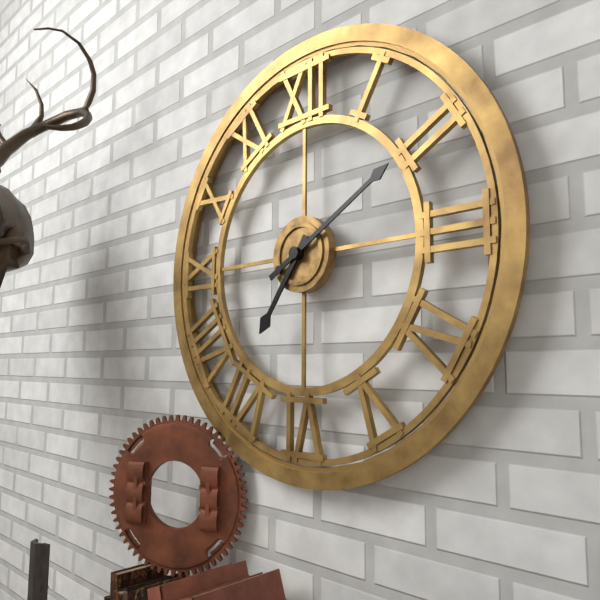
7:10
